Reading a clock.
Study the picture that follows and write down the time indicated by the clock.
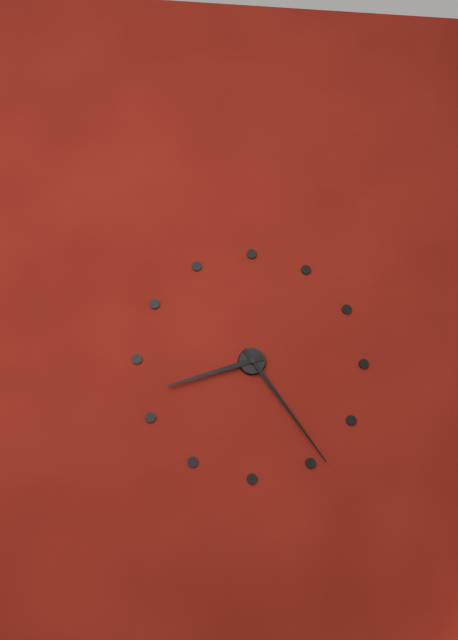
8:24
